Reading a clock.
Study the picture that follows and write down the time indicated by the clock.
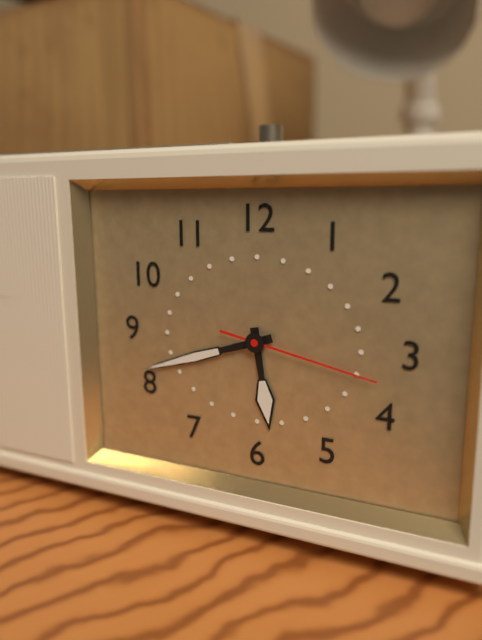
5:42:17
